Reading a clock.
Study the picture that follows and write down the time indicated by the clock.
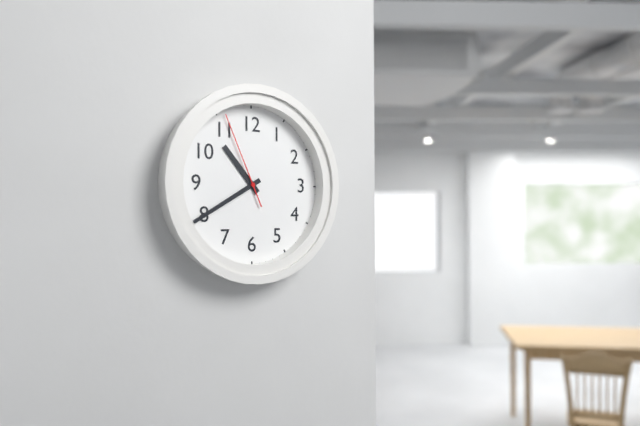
10:40:56
